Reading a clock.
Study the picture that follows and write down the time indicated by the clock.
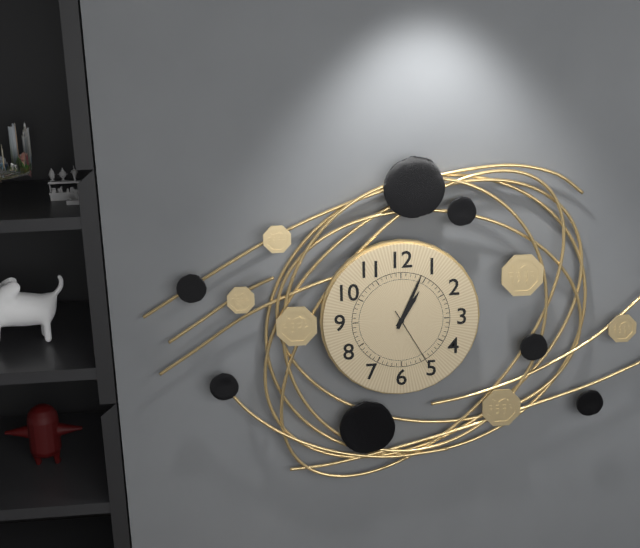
1:04:25
